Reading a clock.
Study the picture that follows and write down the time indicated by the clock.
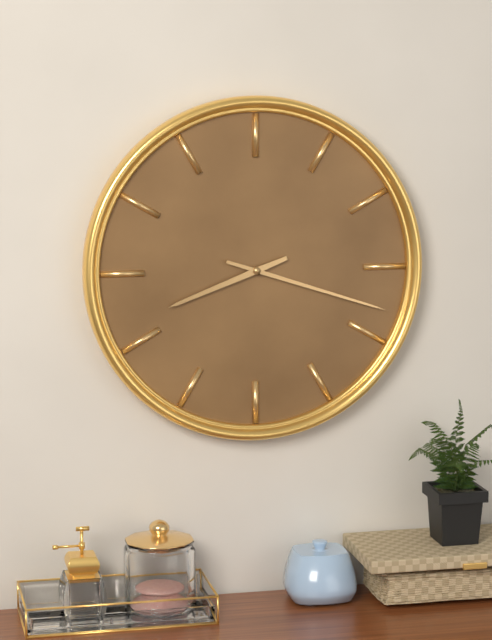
8:18
